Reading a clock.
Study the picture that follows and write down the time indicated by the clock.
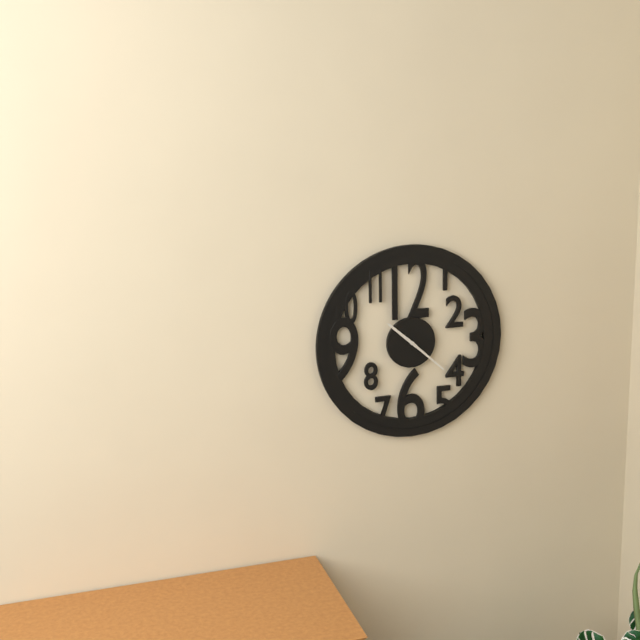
10:22
